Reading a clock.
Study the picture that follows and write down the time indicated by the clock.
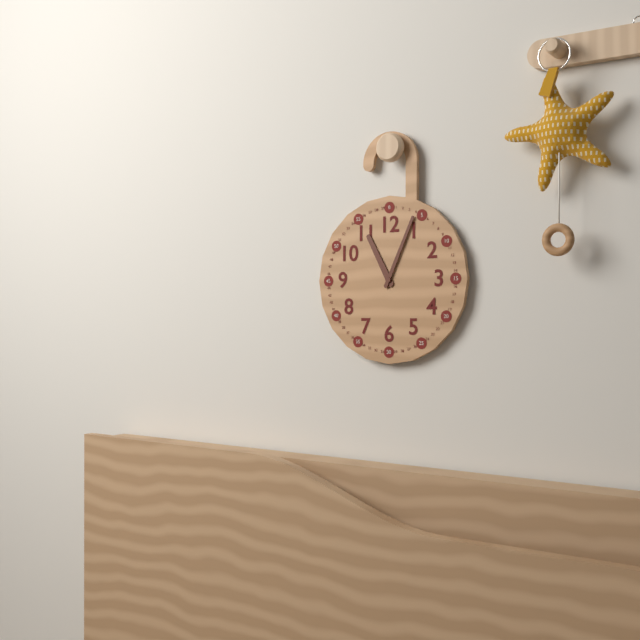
11:04
